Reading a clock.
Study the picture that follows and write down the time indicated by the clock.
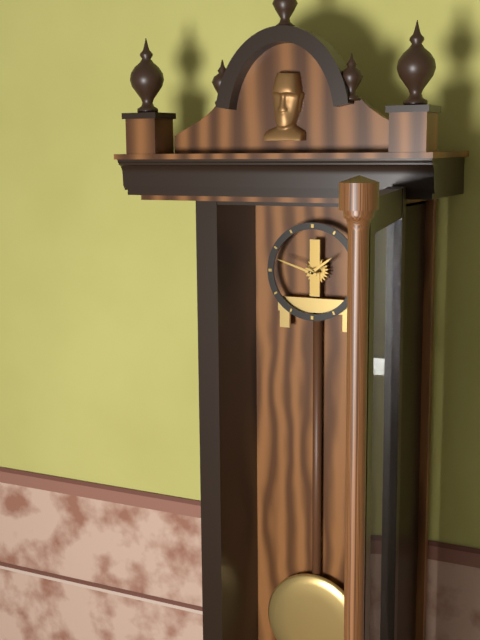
1:48
